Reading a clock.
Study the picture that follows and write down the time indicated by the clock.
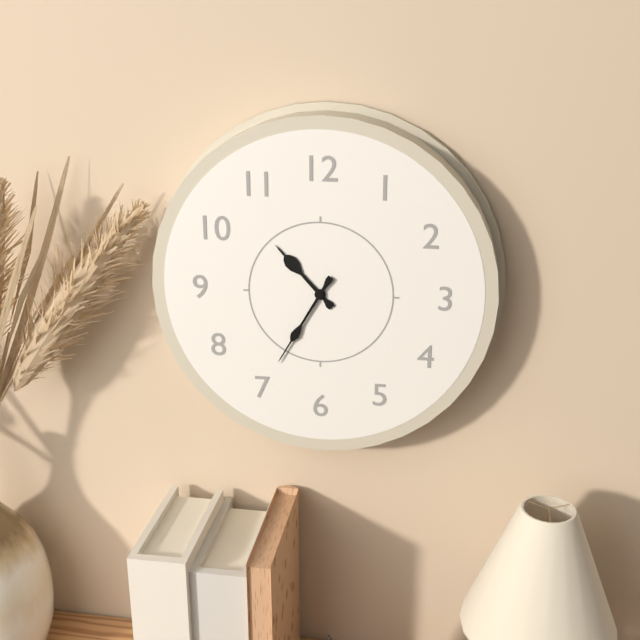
10:35
